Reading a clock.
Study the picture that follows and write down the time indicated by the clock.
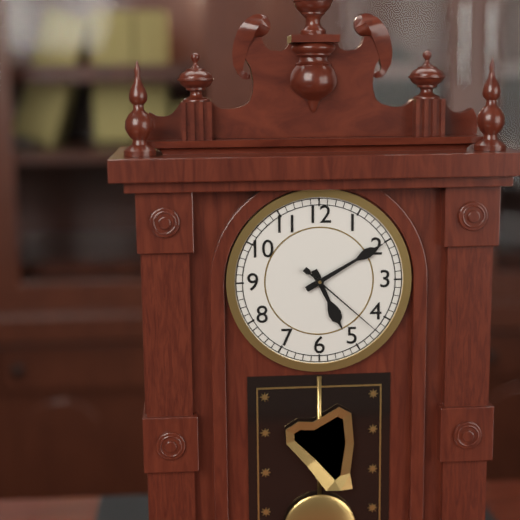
5:10:22
